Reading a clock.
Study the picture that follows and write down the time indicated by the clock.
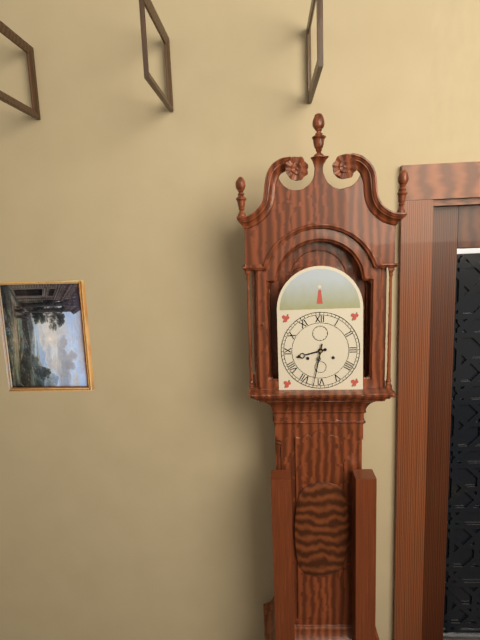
8:32
